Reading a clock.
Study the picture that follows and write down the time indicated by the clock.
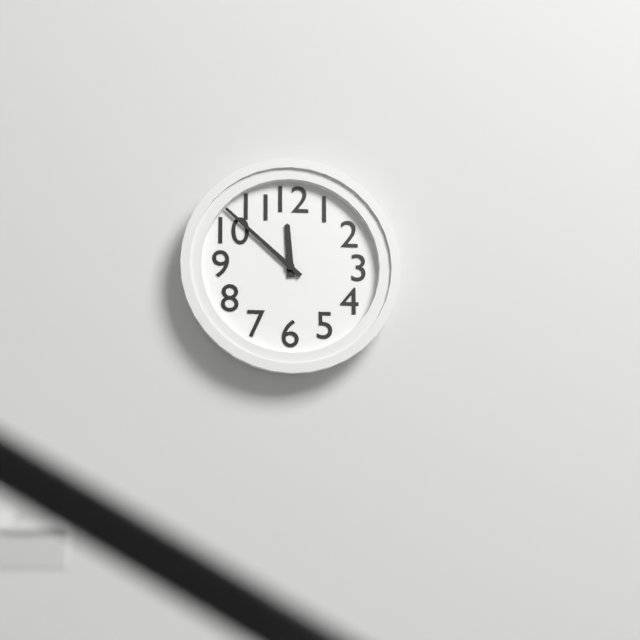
11:52
